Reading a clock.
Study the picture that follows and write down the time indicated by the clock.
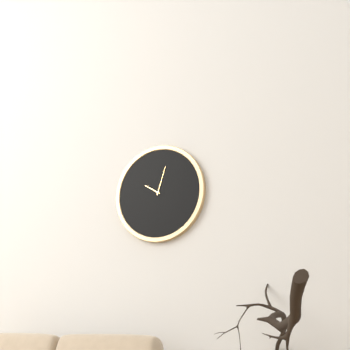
10:03
